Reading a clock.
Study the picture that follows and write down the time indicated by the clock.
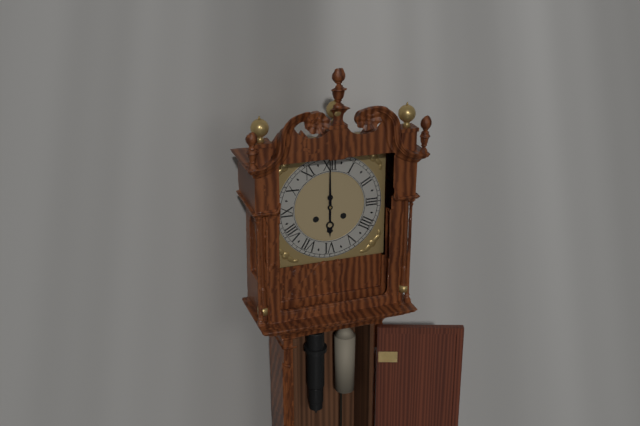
6:00
